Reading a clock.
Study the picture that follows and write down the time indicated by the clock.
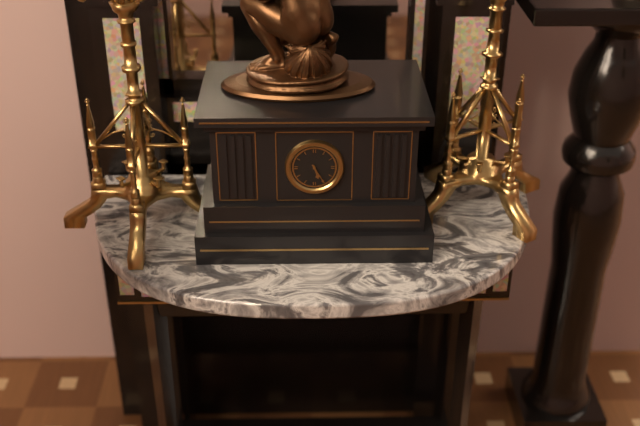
5:25
